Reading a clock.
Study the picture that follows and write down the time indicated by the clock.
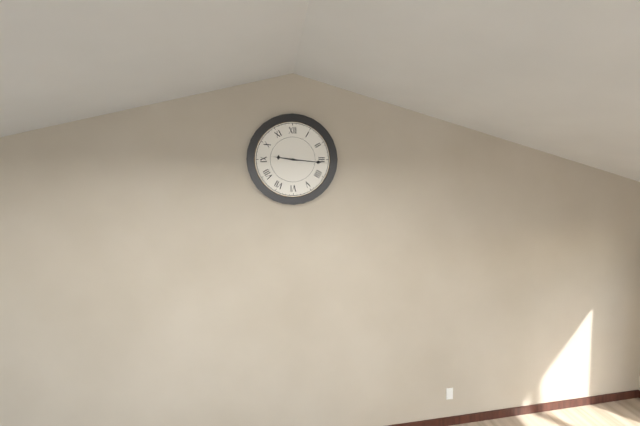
9:16
